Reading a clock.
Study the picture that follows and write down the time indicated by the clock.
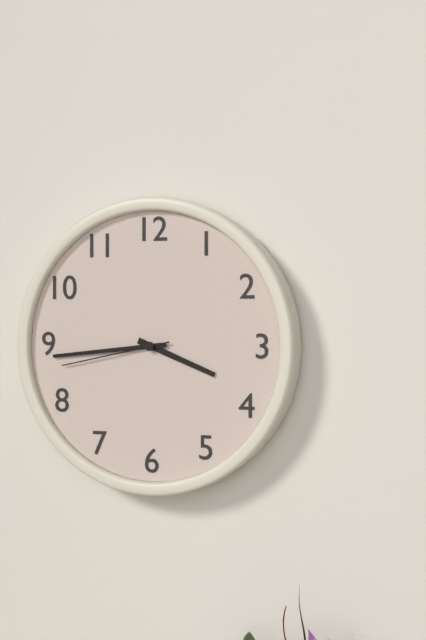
3:44:43
